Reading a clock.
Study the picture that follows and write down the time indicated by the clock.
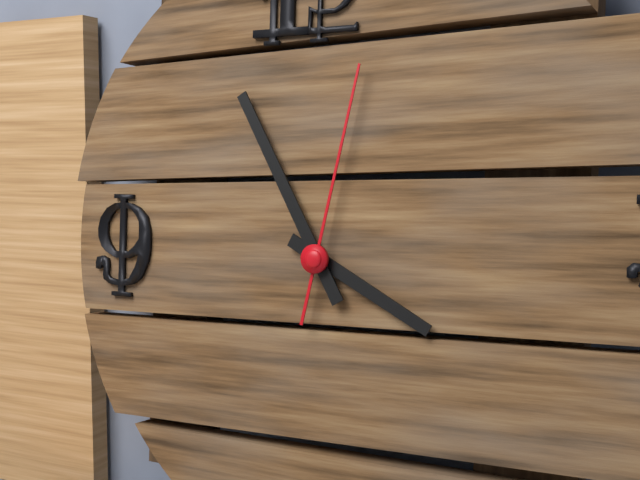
3:55:02
